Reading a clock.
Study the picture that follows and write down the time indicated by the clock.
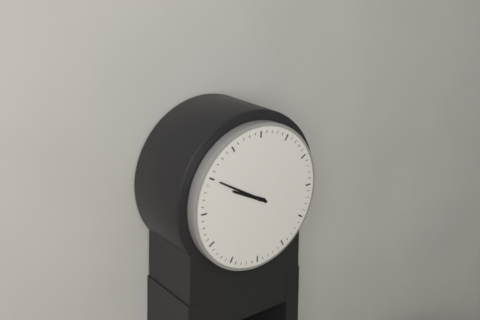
9:50
